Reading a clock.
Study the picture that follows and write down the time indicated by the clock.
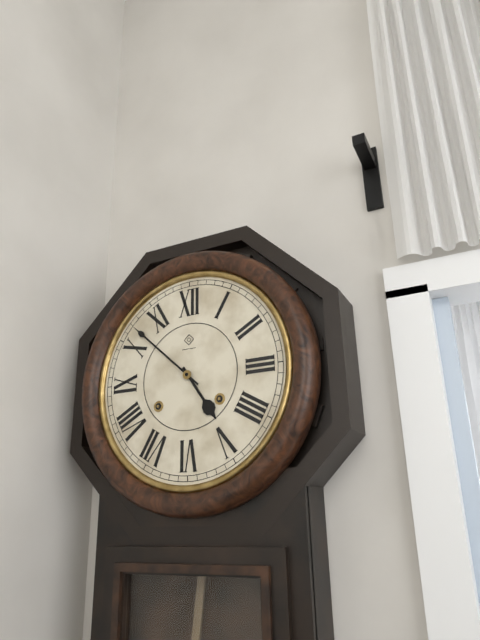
4:52
